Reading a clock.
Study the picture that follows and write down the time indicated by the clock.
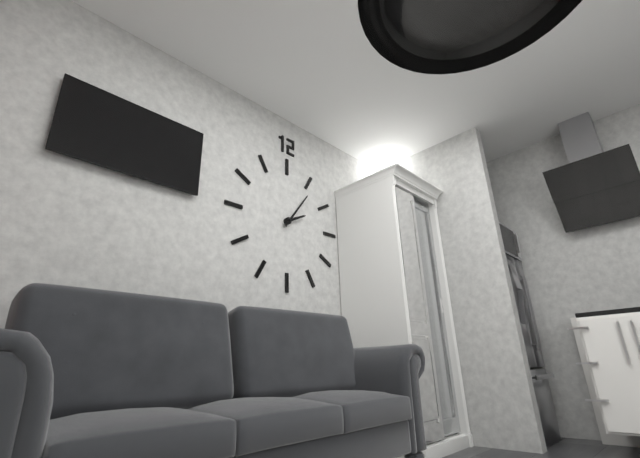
2:06
